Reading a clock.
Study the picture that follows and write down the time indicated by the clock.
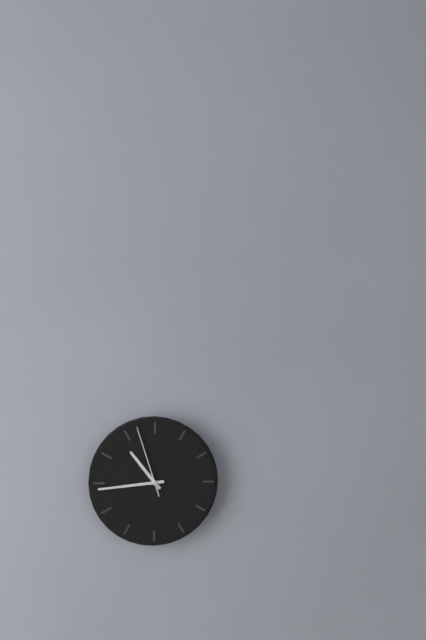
10:44:57
